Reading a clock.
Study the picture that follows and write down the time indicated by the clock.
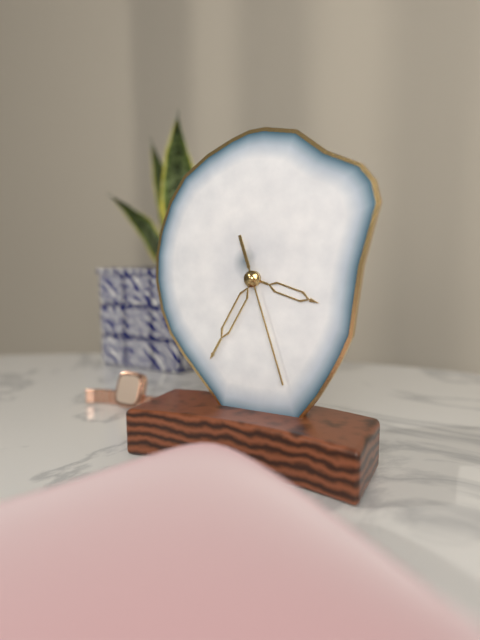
3:35:27
